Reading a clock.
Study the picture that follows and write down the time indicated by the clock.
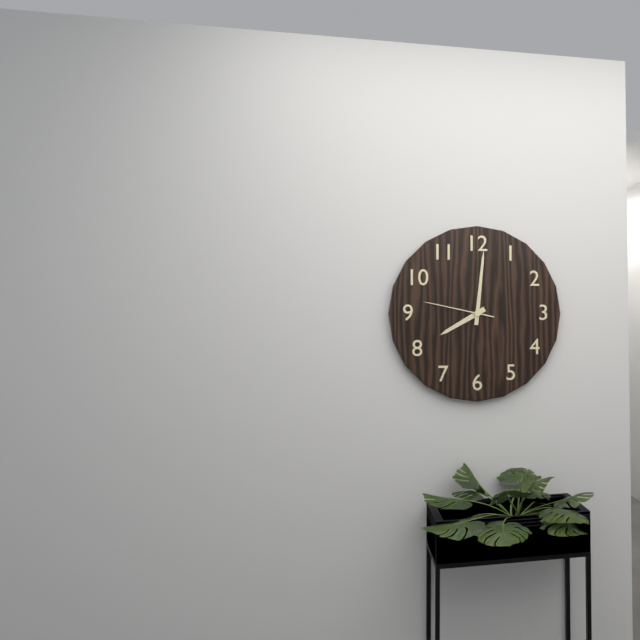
8:01:47
